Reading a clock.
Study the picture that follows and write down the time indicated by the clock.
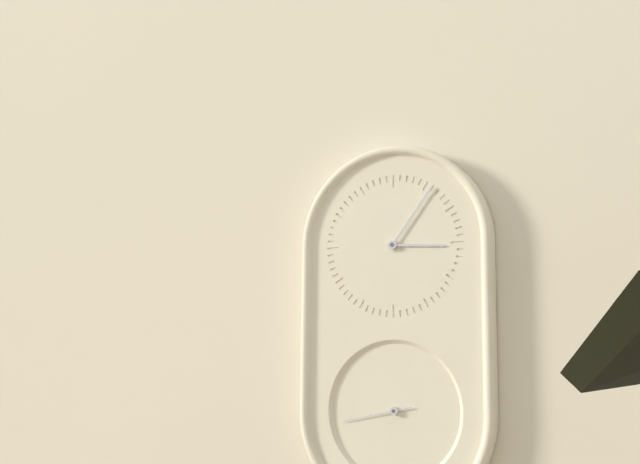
3:06:43
